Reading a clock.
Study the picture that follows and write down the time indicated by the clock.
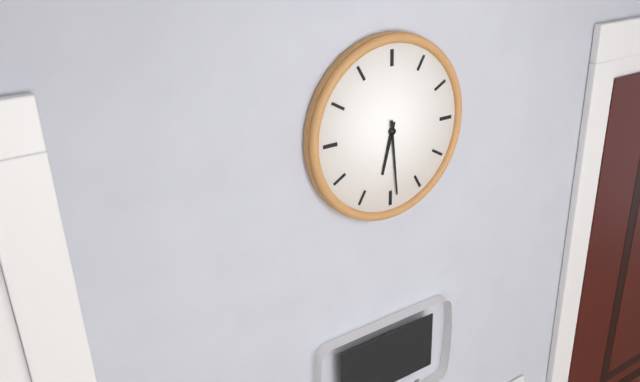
6:29
